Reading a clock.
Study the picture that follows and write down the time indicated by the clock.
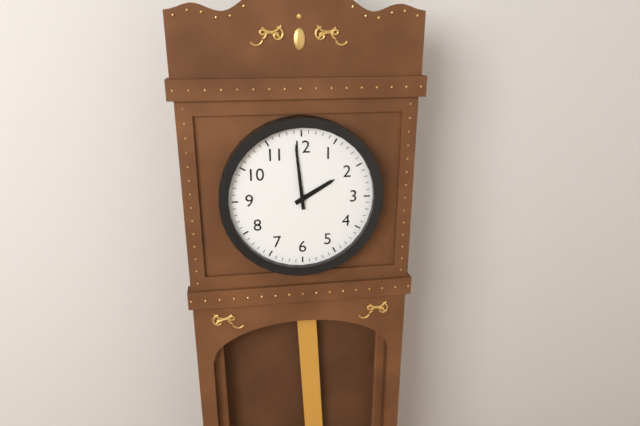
1:59
